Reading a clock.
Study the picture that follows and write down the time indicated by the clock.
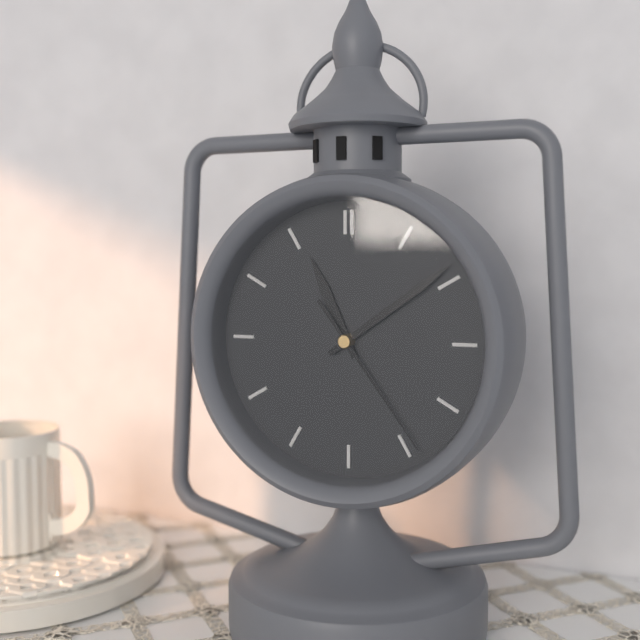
11:09:24
